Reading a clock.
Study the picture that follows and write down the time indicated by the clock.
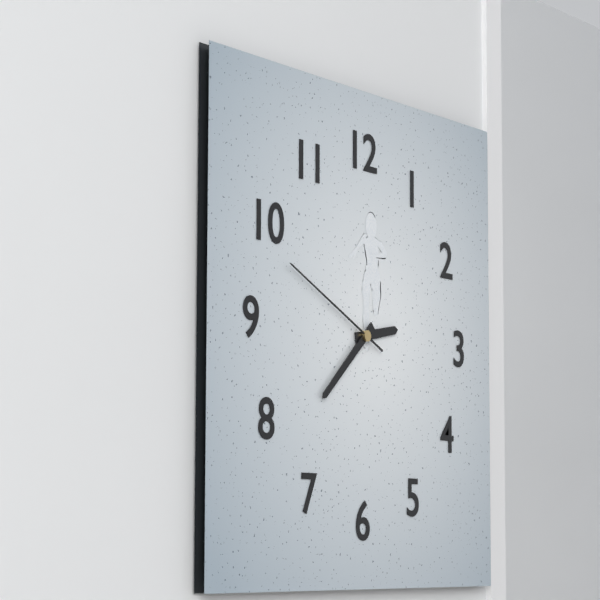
2:38:49
